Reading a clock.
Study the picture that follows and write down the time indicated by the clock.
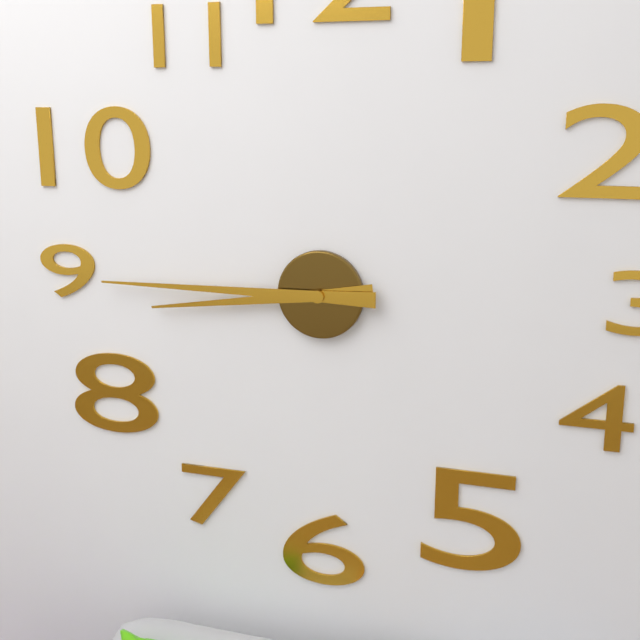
8:45
